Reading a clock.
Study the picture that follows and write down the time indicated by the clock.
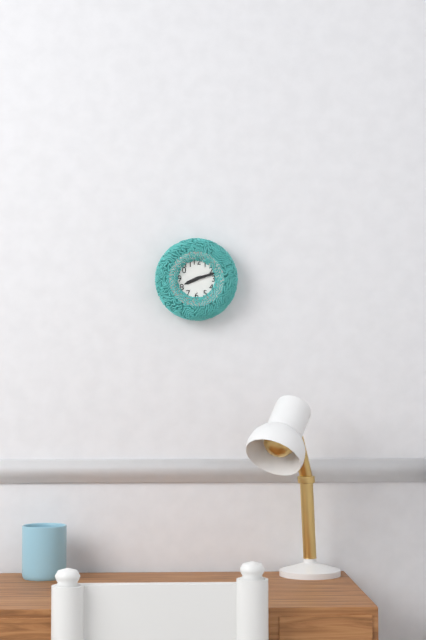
8:12
